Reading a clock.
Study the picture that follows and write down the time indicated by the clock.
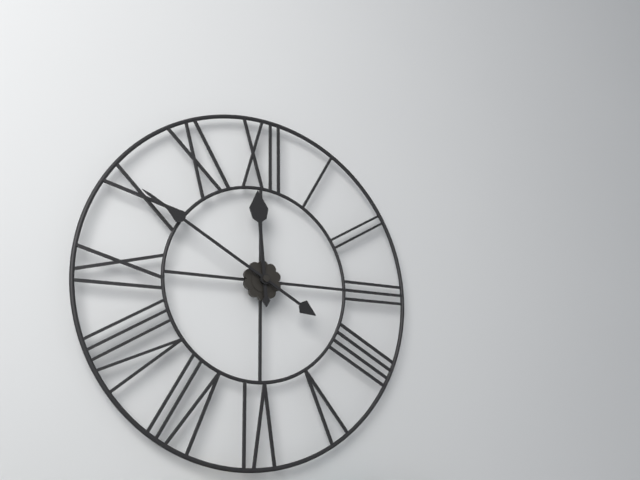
11:50
